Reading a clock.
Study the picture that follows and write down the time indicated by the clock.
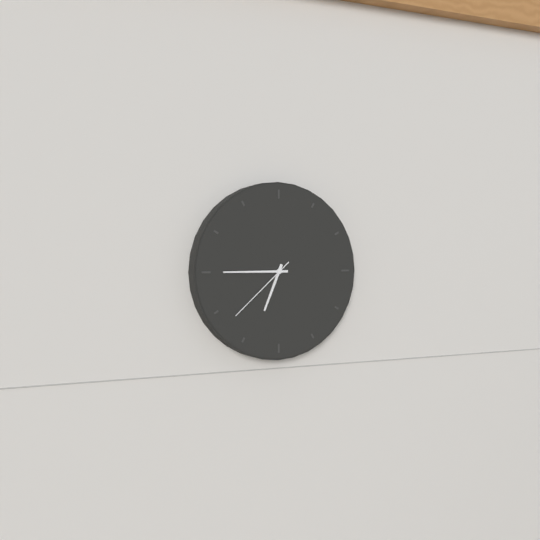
6:45:38
